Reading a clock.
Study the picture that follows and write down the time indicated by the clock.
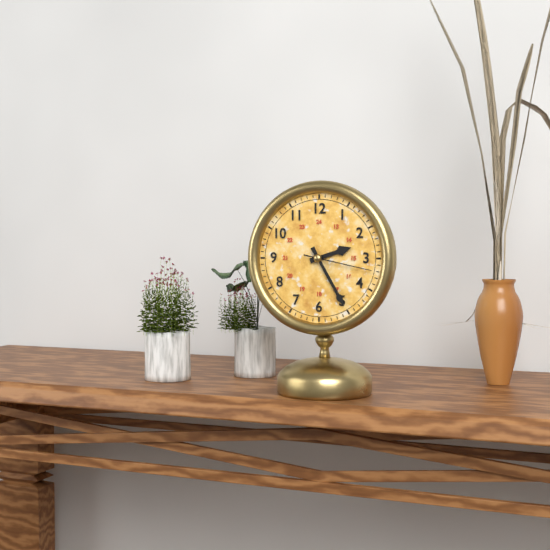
2:25:17
